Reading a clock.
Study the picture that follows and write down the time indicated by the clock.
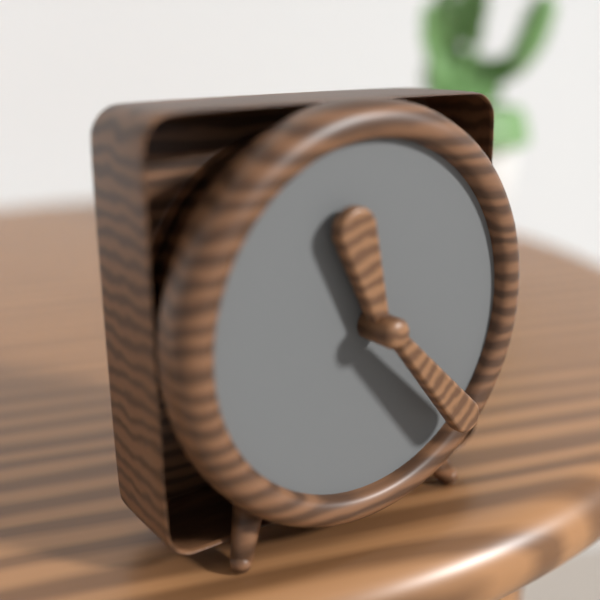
11:23
